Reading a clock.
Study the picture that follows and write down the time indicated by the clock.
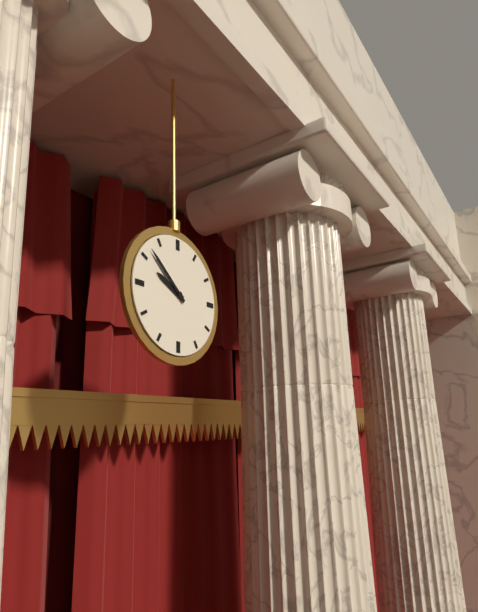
9:52
